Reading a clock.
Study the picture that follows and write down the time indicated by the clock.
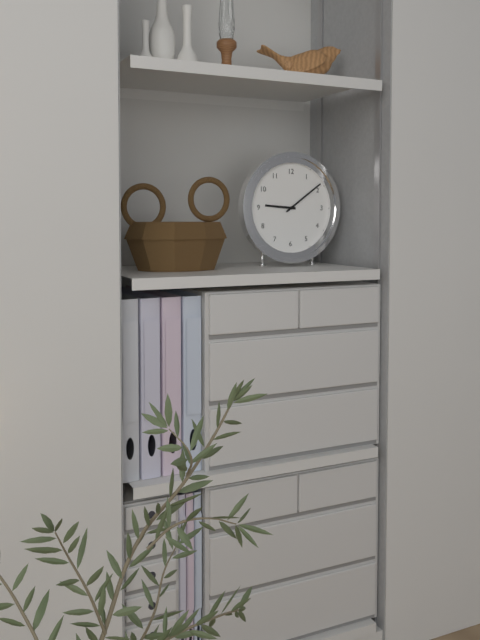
9:09
